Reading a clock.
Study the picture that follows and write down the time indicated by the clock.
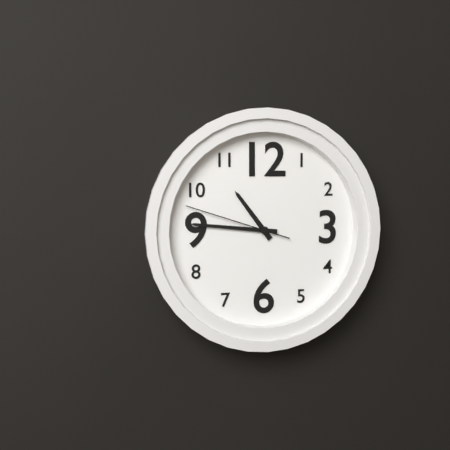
10:46:48
